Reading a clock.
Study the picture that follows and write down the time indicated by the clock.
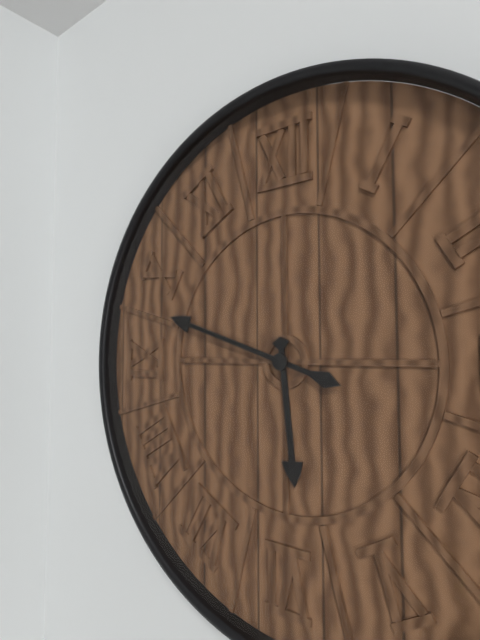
5:48
